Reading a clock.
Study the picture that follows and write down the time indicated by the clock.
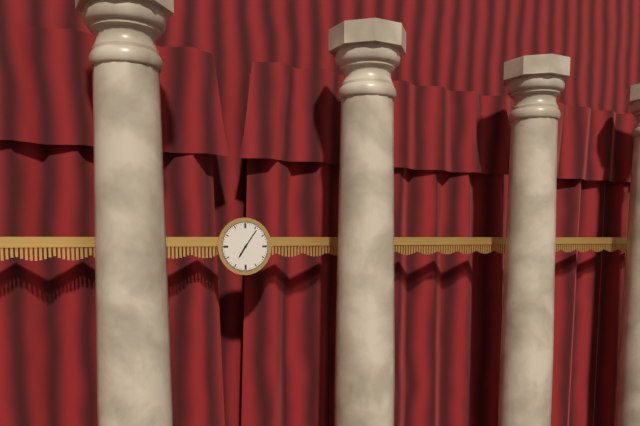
7:06
